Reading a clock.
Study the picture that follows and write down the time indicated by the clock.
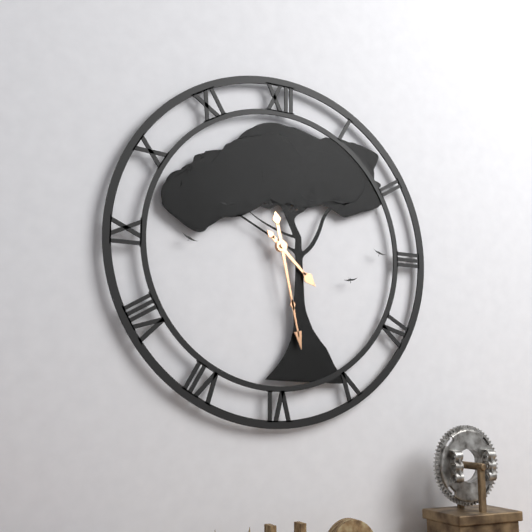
4:28
